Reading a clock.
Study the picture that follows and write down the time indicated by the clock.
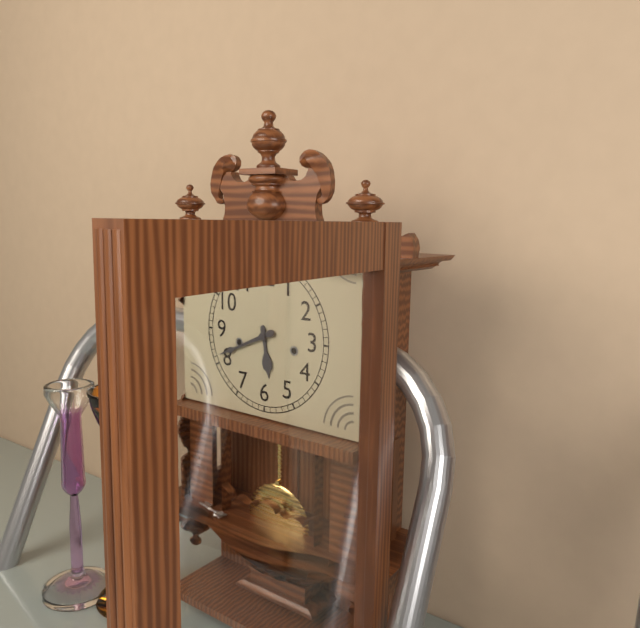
5:41
